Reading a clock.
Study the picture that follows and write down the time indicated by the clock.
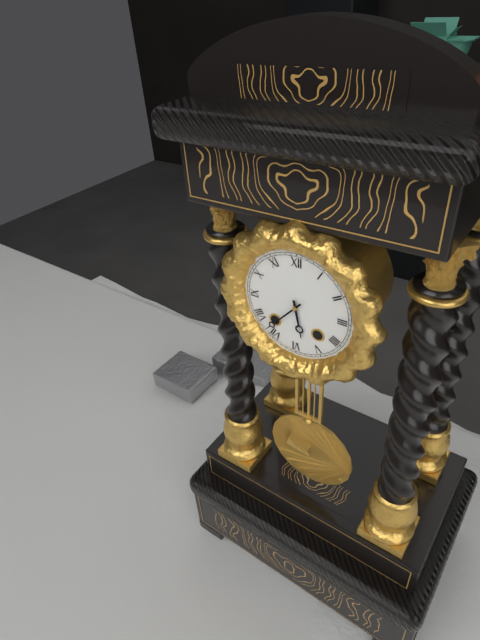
5:37
